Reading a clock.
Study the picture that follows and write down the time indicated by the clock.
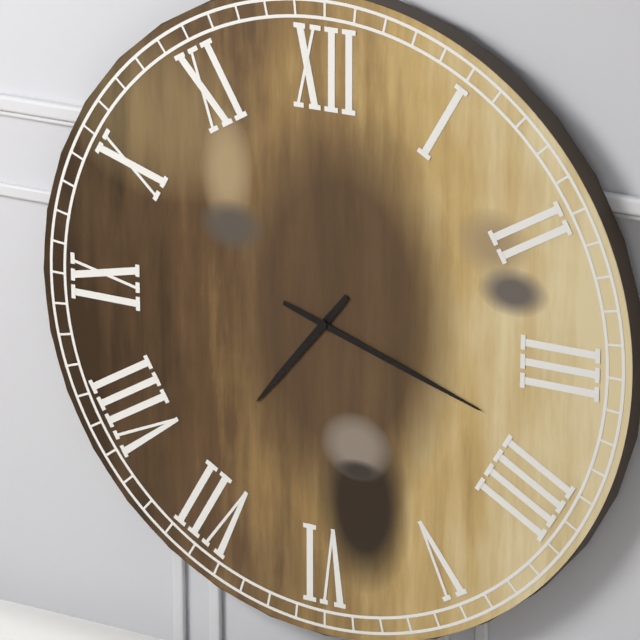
7:18
